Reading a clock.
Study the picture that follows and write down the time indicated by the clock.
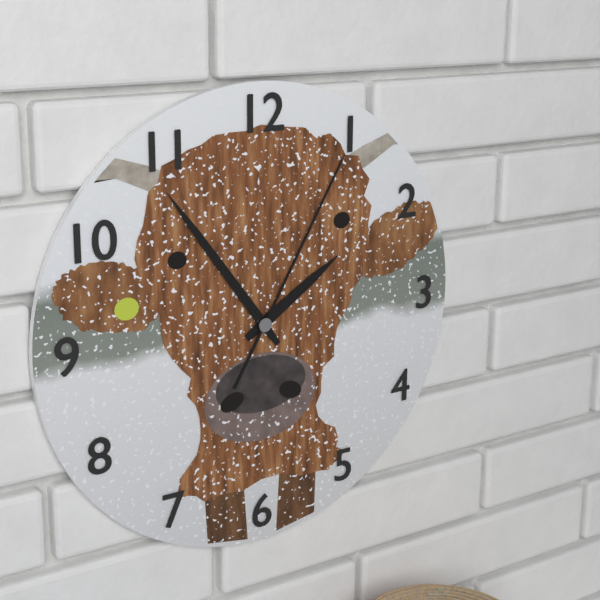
1:54:05
